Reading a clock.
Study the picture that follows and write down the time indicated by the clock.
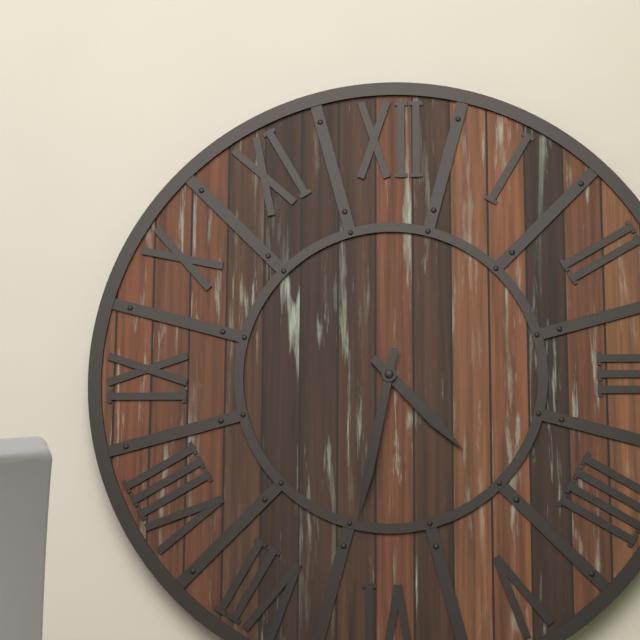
4:32
